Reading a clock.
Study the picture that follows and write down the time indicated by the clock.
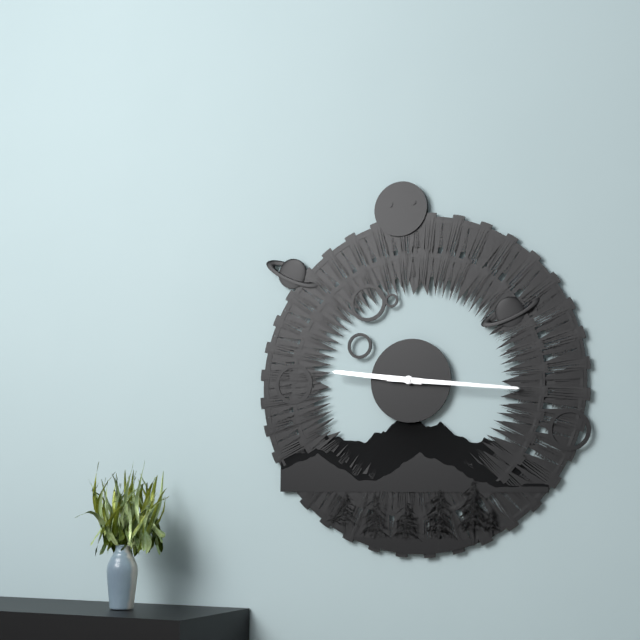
9:16
